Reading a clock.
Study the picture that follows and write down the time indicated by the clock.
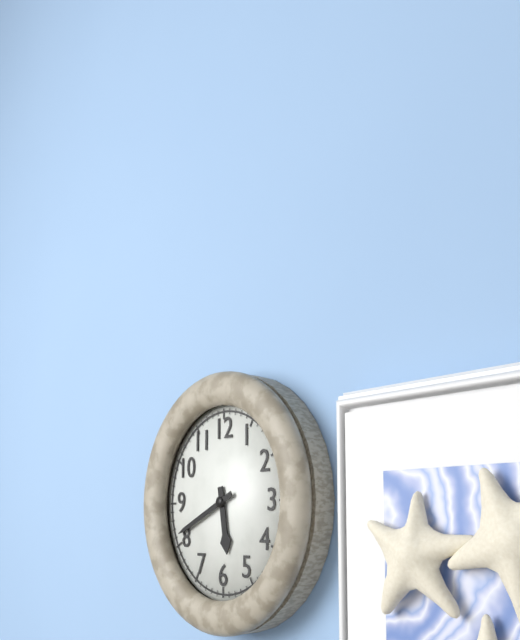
5:41
